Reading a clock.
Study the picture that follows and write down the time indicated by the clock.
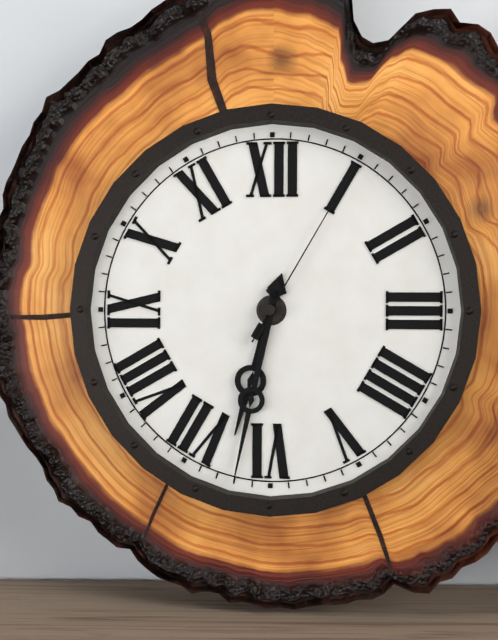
6:32:05
